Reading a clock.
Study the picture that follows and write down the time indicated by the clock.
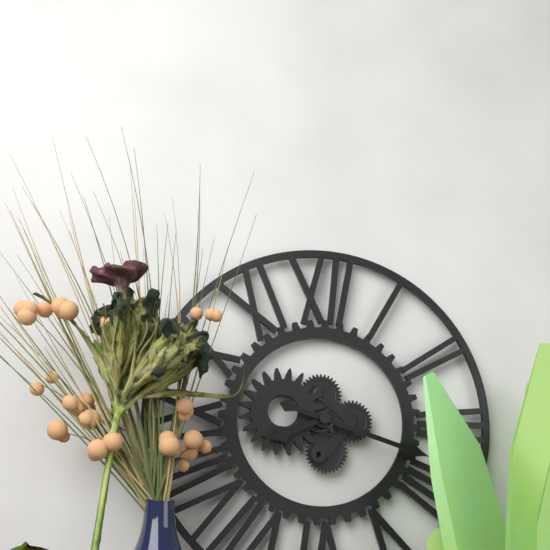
8:18
